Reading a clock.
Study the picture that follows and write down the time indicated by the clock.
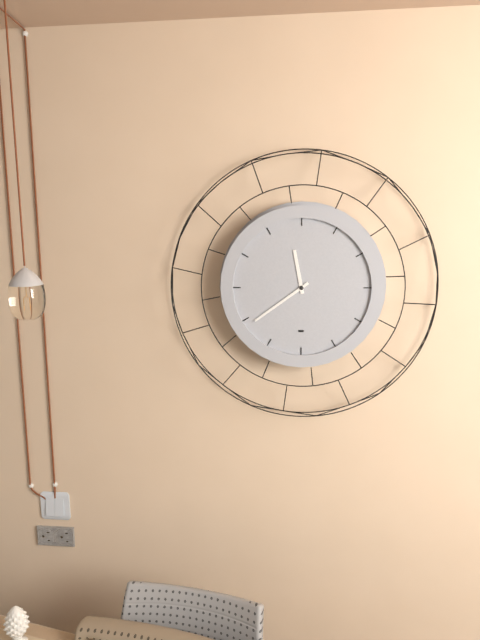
11:39
